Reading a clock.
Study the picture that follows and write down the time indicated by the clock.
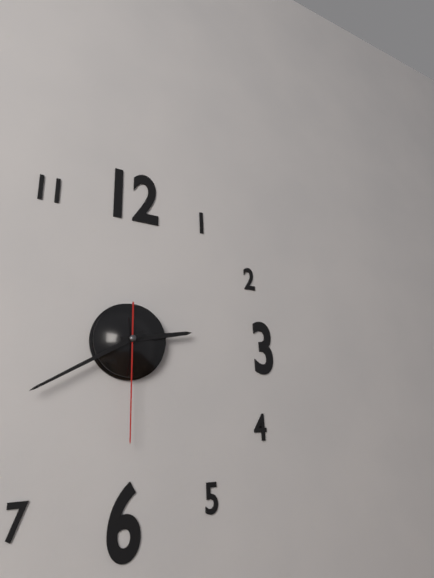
2:40:30
